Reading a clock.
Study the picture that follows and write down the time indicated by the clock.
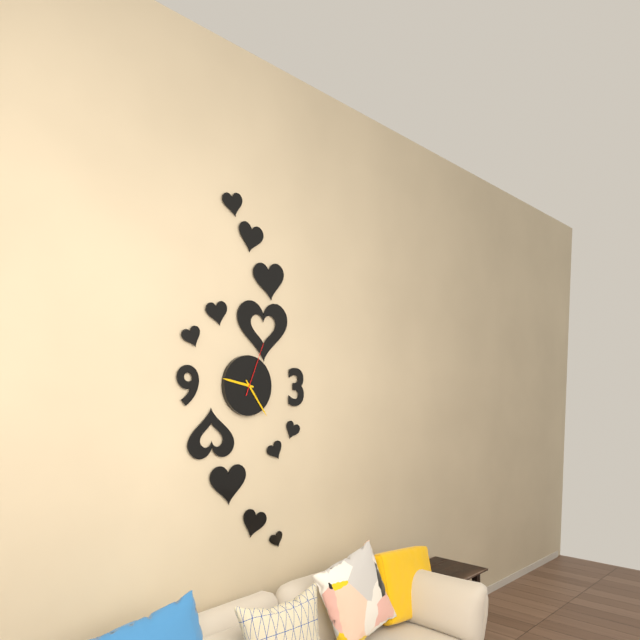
9:24:04
